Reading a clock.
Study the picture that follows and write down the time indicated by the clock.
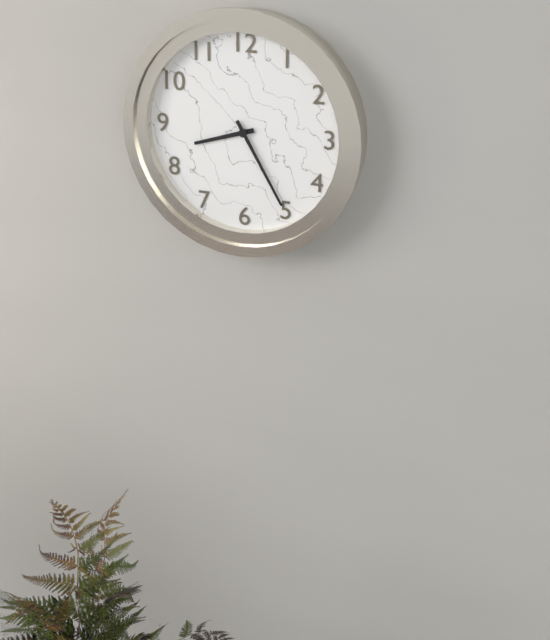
8:25
